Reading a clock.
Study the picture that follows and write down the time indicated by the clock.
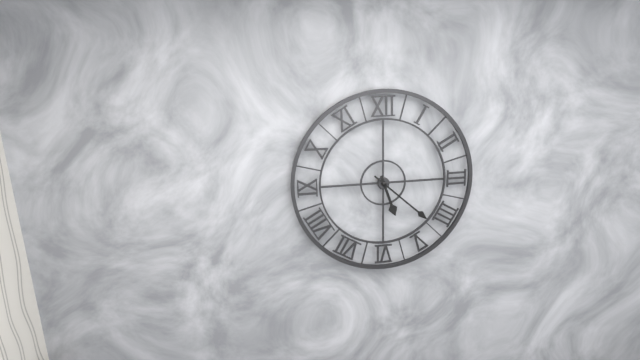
5:22
